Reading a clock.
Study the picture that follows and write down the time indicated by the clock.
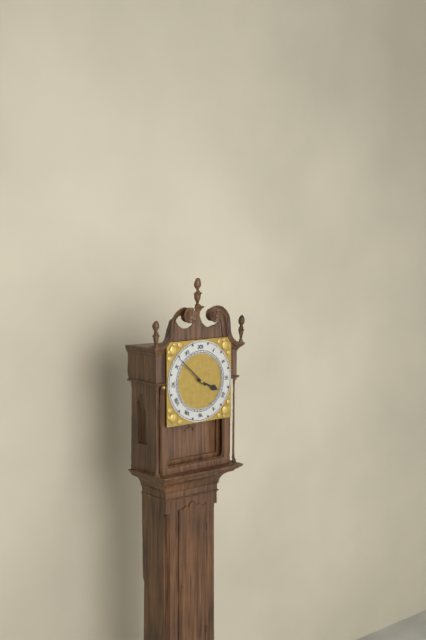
3:52
